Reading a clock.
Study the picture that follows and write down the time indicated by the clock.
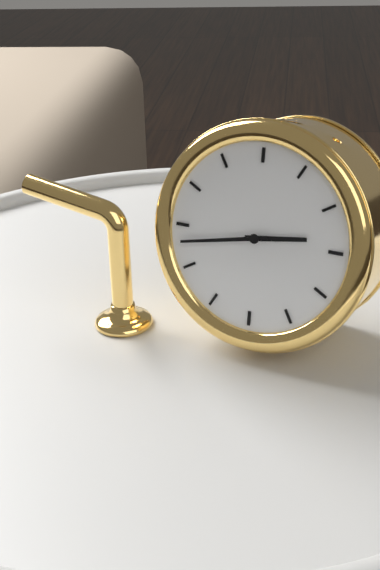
2:43
